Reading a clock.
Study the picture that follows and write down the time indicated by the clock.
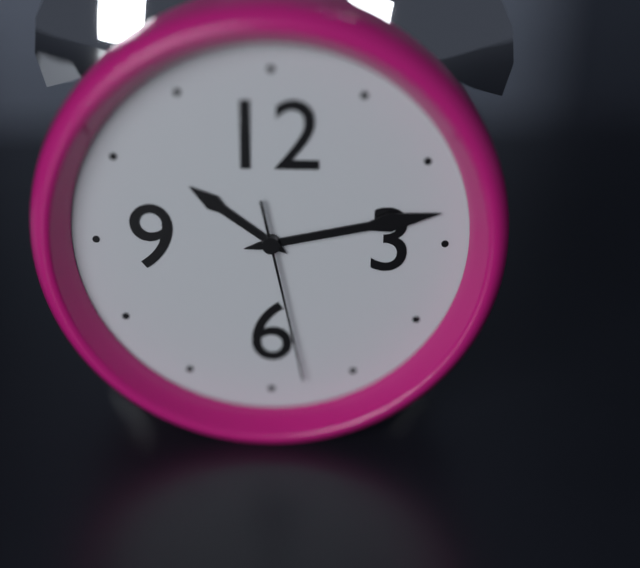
10:13:28
